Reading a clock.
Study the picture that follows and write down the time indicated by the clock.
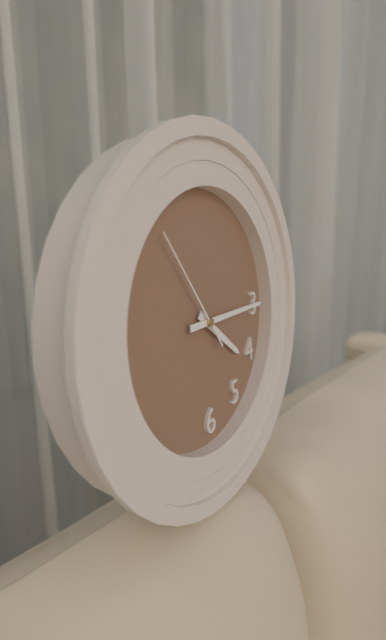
4:15:54
